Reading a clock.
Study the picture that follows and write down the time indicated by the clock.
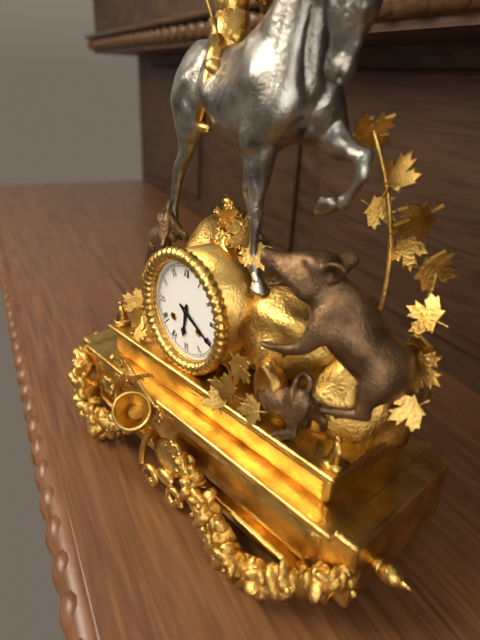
6:20
